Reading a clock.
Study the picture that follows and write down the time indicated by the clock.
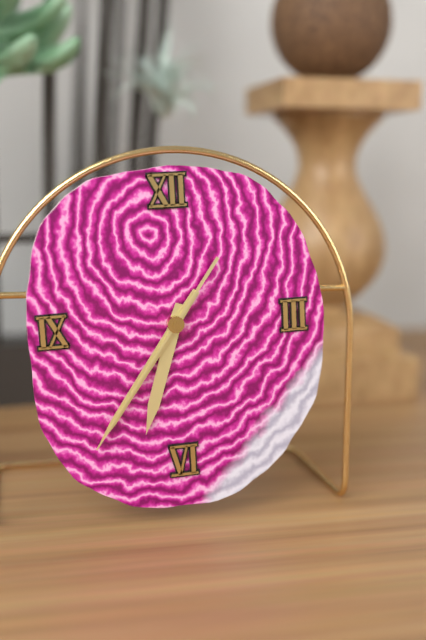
6:36:36
